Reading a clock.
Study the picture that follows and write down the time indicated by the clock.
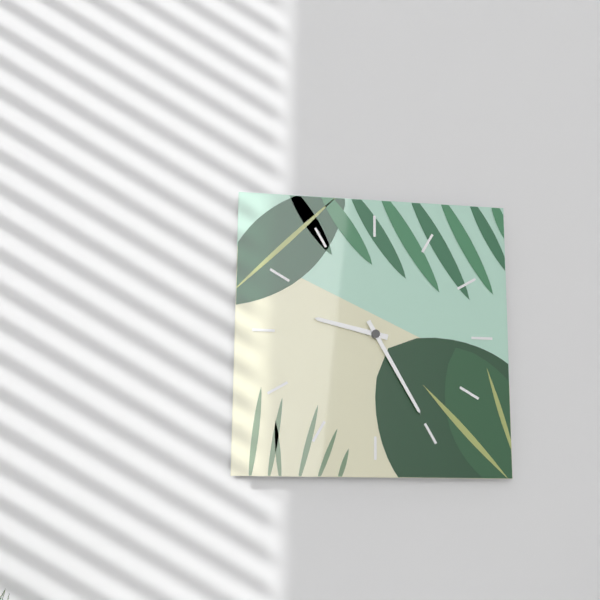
9:25
